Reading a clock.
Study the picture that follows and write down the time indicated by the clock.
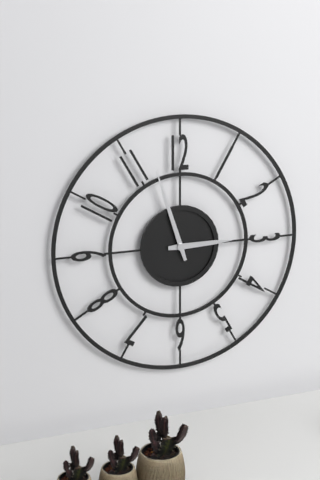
2:57
